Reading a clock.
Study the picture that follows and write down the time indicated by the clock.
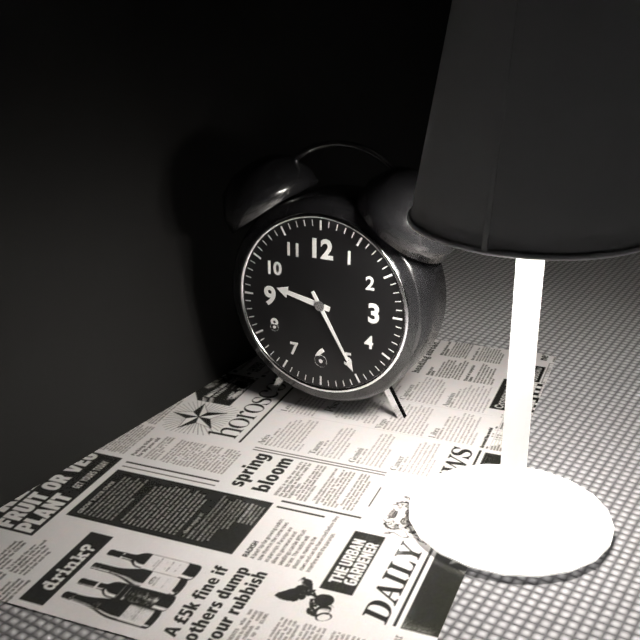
9:25
